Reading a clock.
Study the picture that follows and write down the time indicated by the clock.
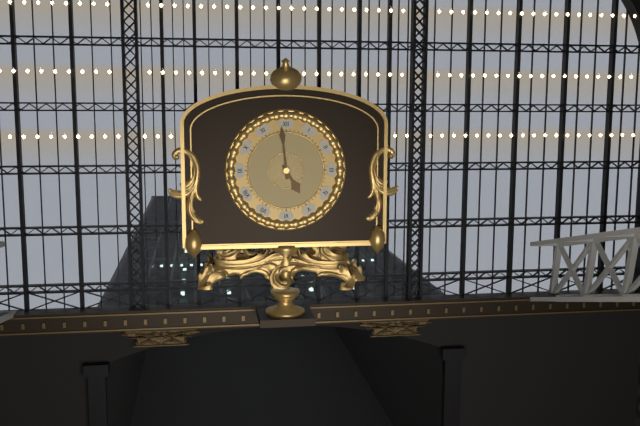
4:59
